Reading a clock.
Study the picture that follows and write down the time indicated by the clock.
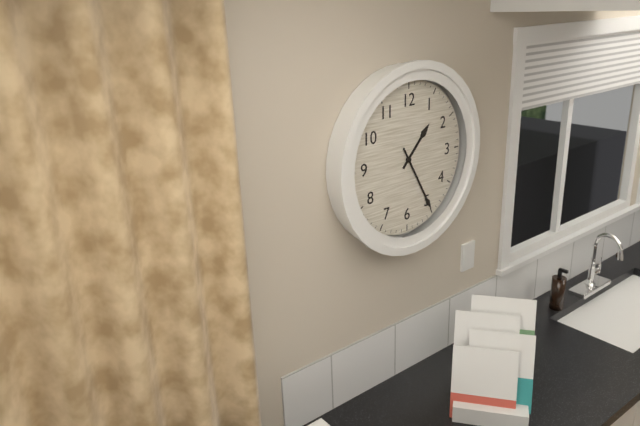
1:25
